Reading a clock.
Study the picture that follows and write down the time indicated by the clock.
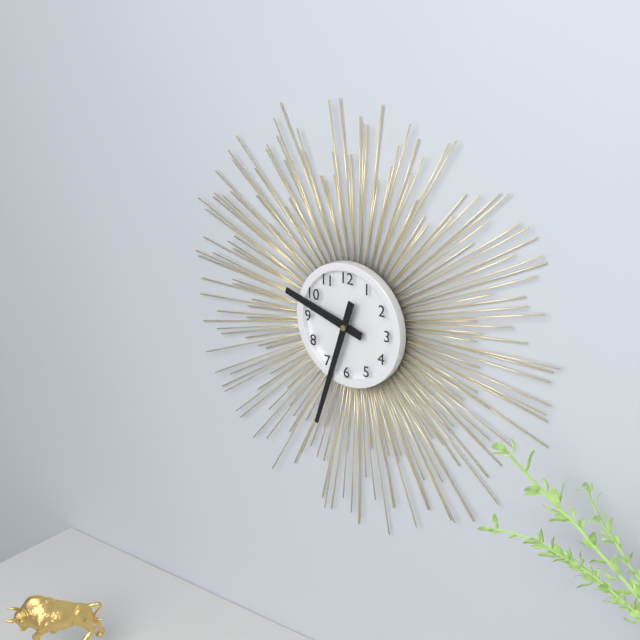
9:33
